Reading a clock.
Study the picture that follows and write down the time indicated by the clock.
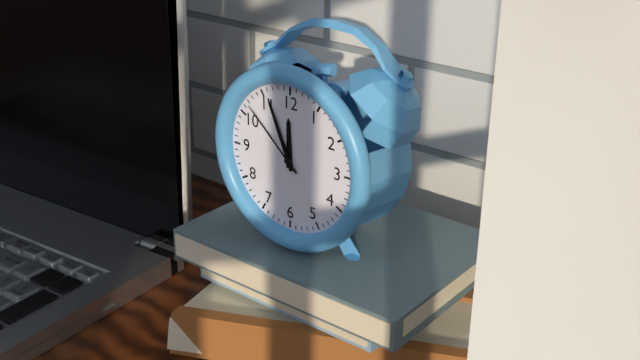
11:56:52
